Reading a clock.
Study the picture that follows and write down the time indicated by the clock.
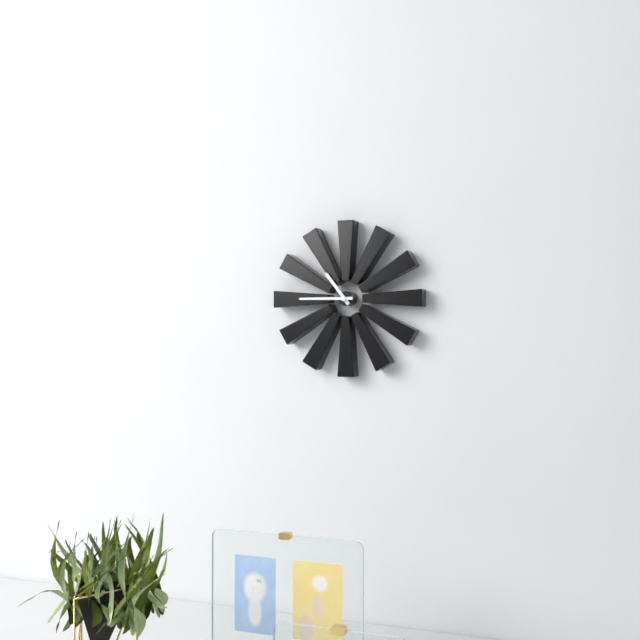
10:45
